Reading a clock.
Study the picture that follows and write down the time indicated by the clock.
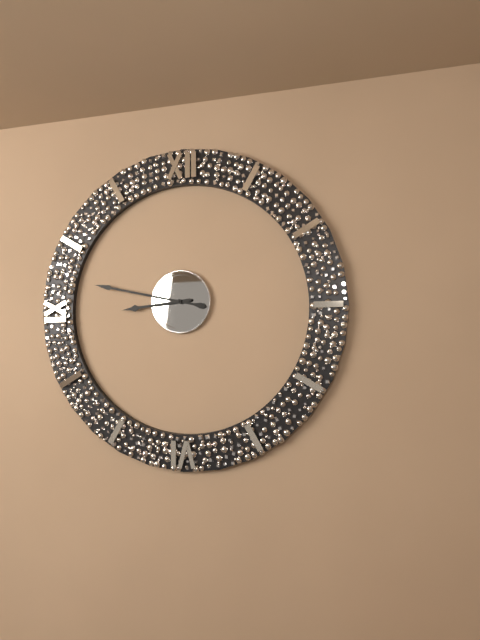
8:47
